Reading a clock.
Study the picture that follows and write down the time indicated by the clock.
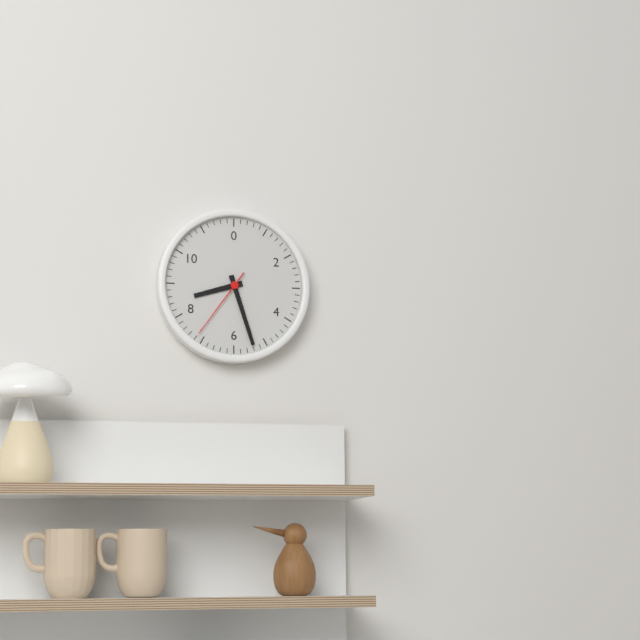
8:27:36
